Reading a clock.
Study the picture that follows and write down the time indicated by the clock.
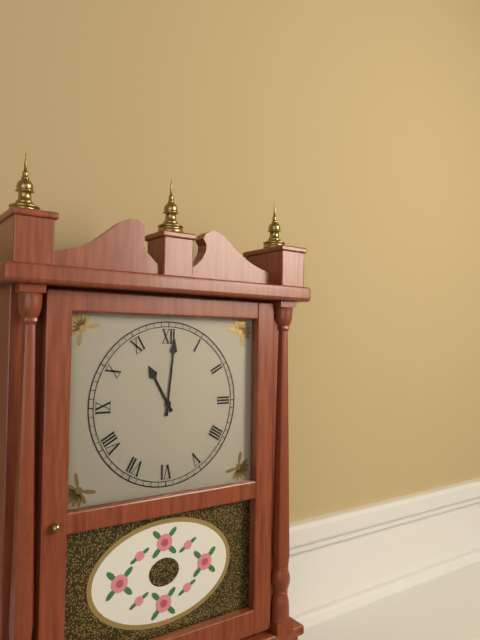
11:01
